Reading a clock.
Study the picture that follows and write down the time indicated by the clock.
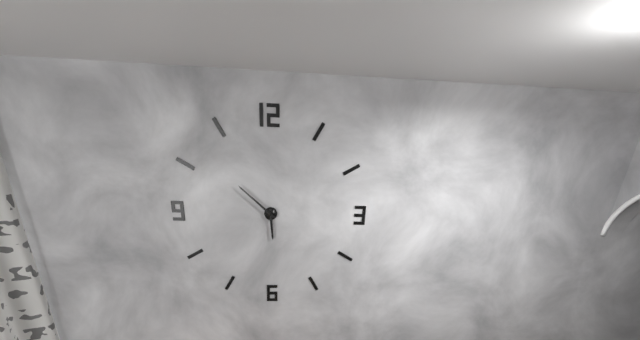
5:52
